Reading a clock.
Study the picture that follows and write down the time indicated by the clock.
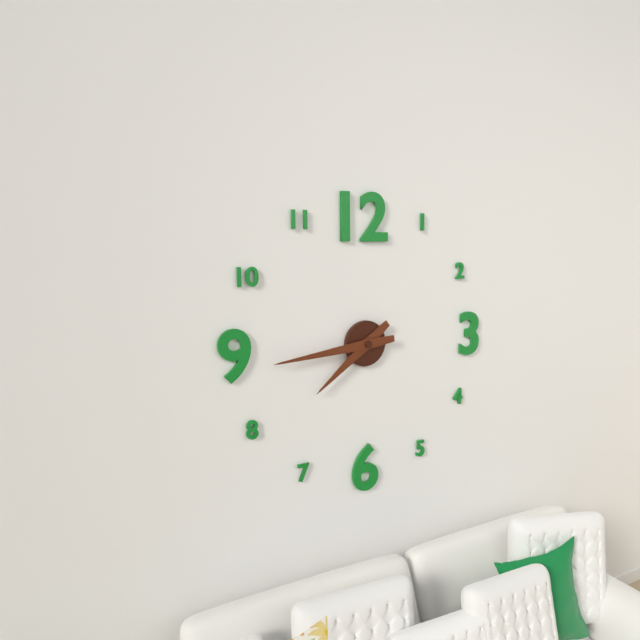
7:44
